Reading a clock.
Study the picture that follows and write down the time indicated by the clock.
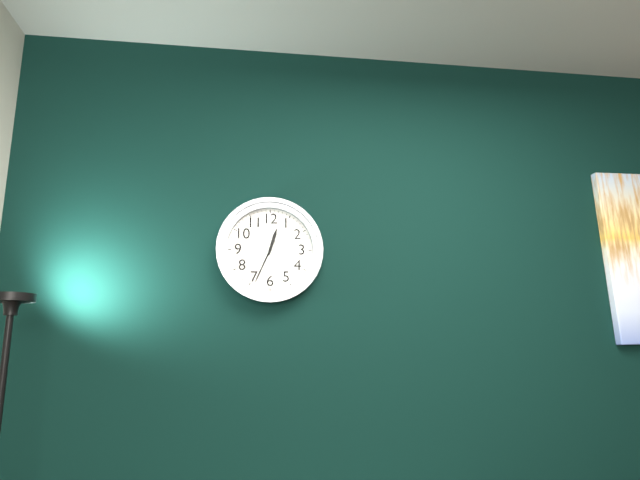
12:34
